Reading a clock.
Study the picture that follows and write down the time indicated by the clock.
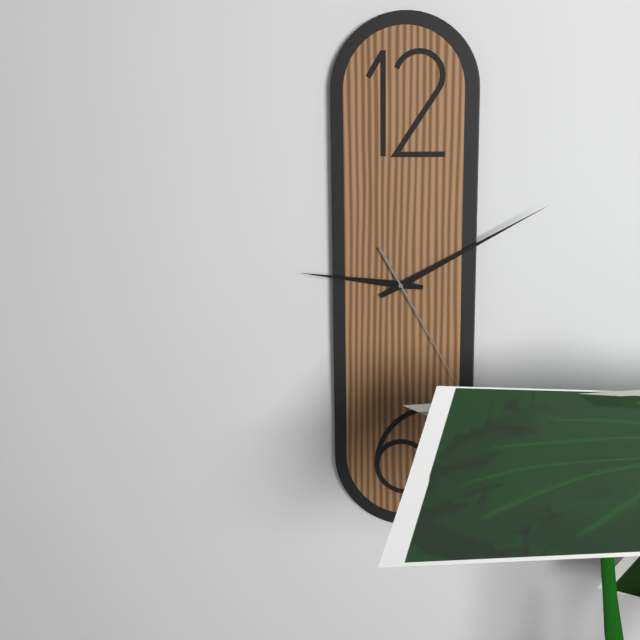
9:10:25
